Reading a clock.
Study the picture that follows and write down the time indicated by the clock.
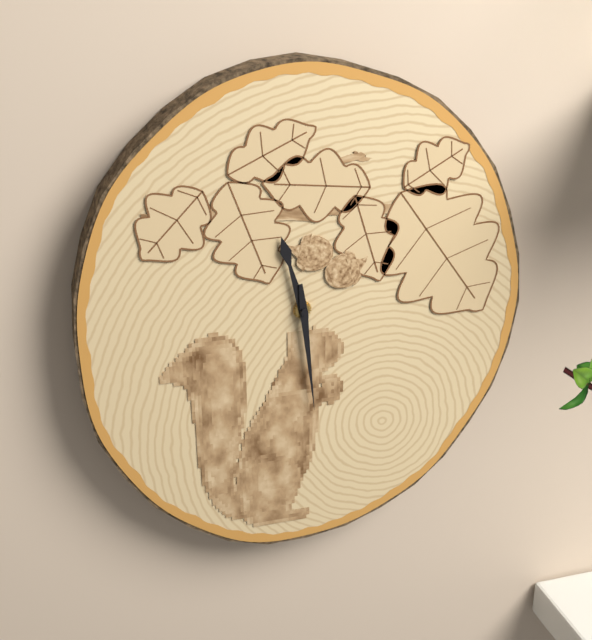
11:29
